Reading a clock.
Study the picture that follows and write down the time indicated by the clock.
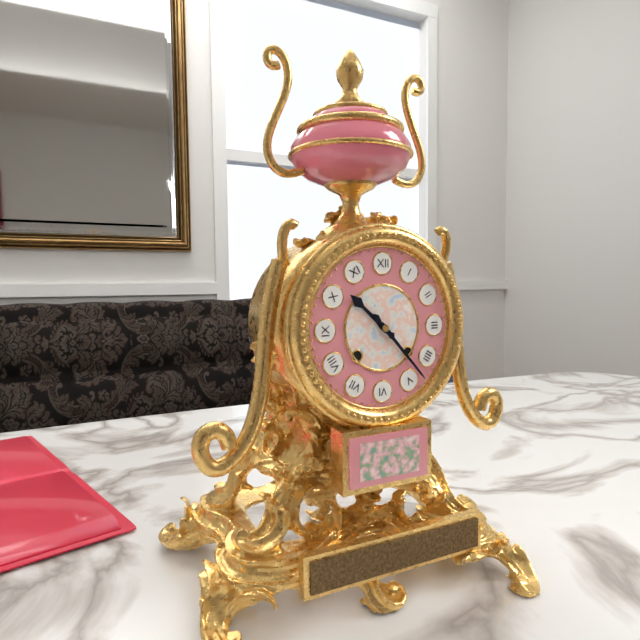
10:23
